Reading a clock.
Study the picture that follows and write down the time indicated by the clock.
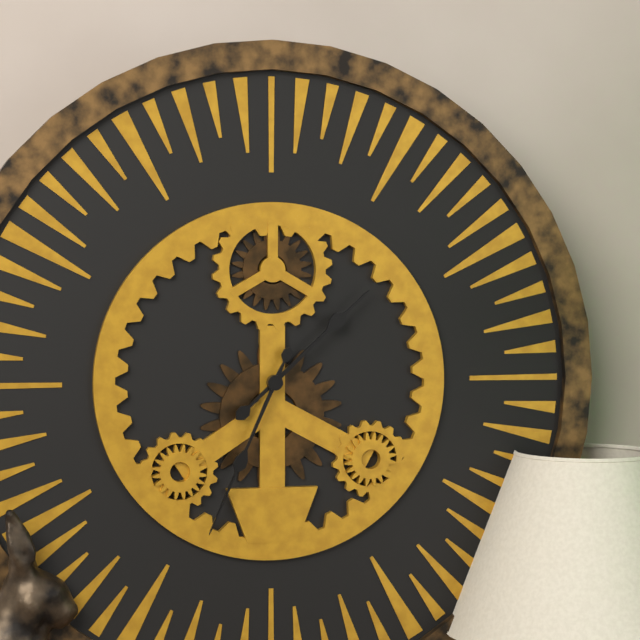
1:34
